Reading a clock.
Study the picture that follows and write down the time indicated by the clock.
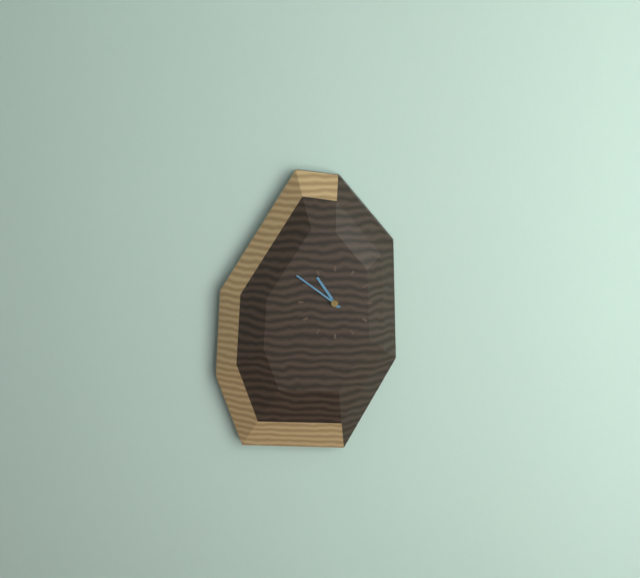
10:51
